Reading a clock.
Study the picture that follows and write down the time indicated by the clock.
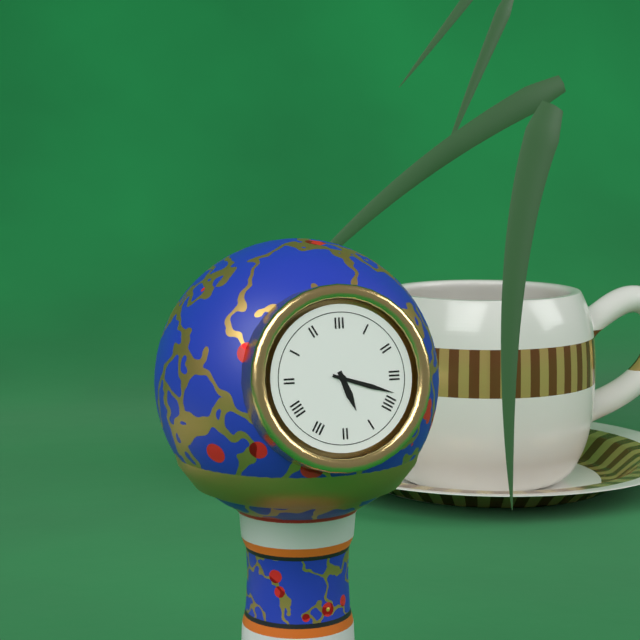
5:18
